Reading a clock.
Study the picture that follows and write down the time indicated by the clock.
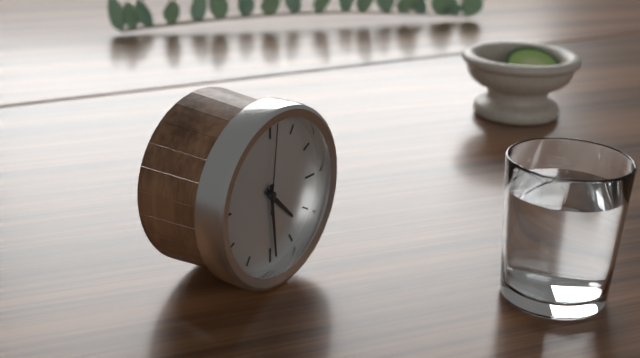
4:29:01
